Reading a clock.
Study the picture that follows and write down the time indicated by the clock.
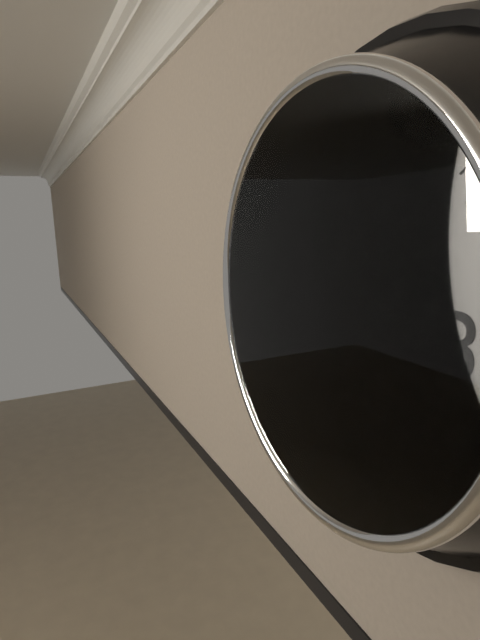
10:23
